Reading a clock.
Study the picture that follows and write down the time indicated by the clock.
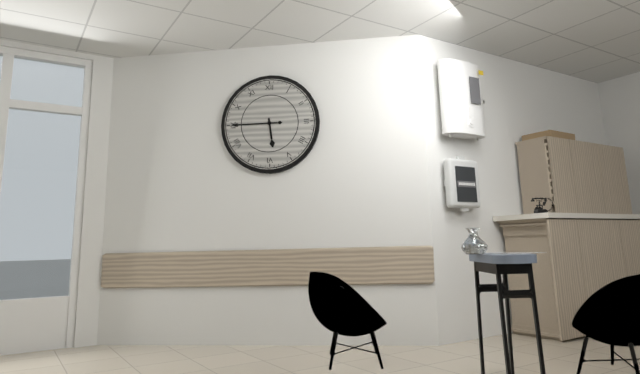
5:45
